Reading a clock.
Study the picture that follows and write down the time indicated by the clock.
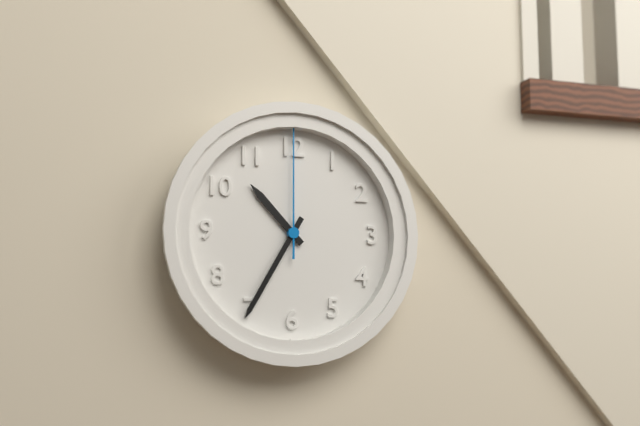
10:35:00
